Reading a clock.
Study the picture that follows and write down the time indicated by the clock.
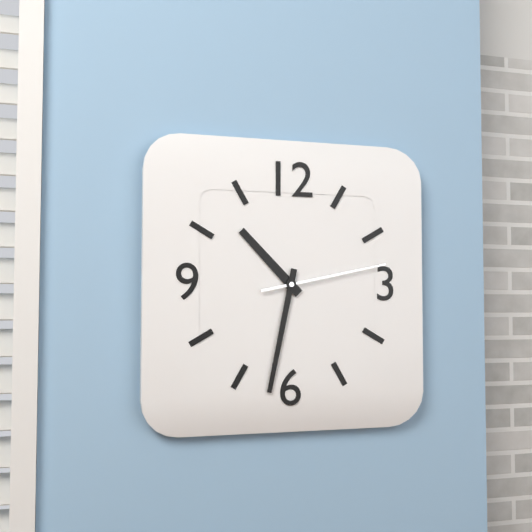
10:32:13
